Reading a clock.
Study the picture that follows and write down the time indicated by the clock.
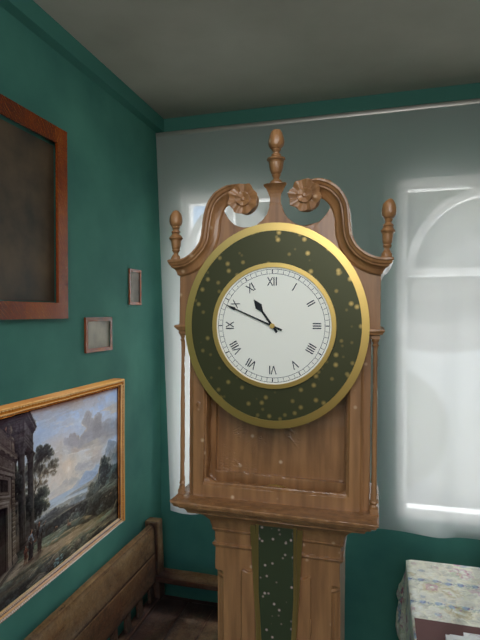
10:49
